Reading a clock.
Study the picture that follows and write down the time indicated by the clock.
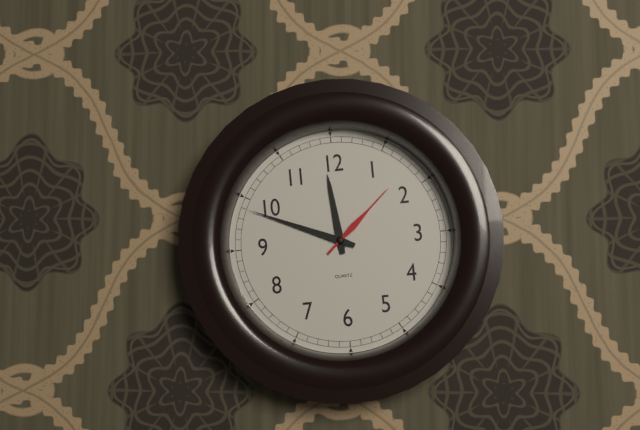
11:49:08
